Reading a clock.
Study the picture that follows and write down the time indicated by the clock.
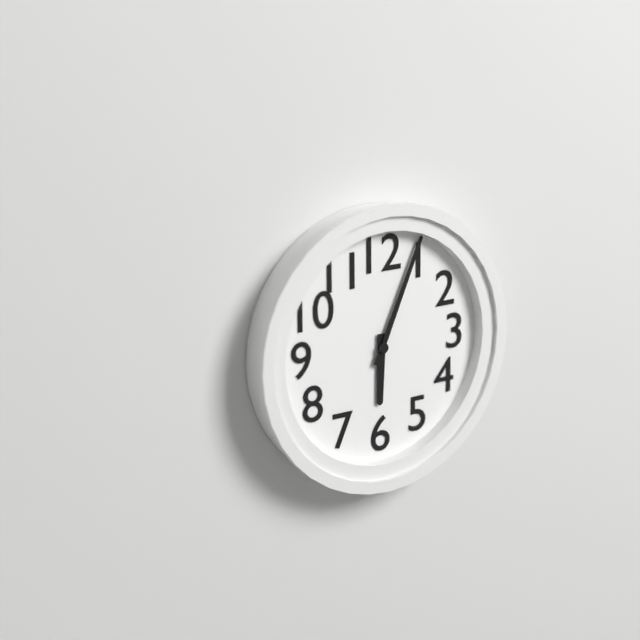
6:04
